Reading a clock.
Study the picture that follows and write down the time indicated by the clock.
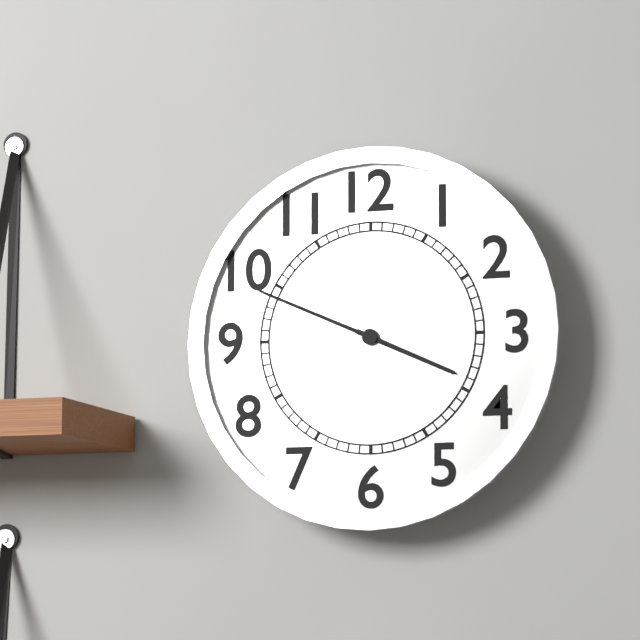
3:49
